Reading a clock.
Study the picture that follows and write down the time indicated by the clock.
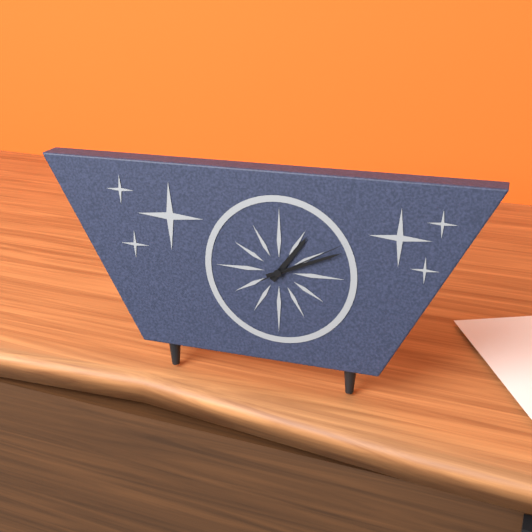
1:11:10
